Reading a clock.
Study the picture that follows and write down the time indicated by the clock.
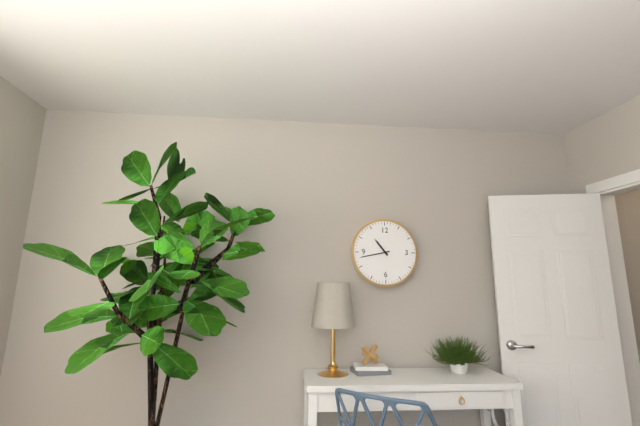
10:43
